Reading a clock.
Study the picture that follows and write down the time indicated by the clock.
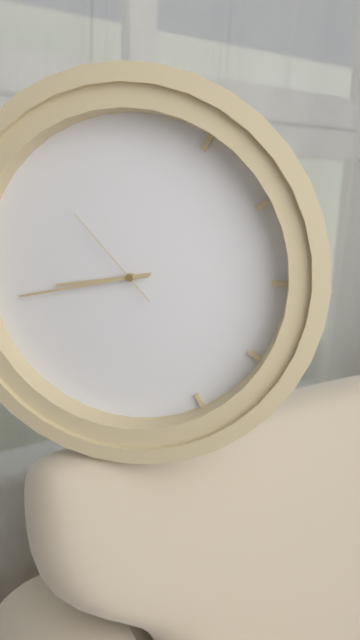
8:43:53
